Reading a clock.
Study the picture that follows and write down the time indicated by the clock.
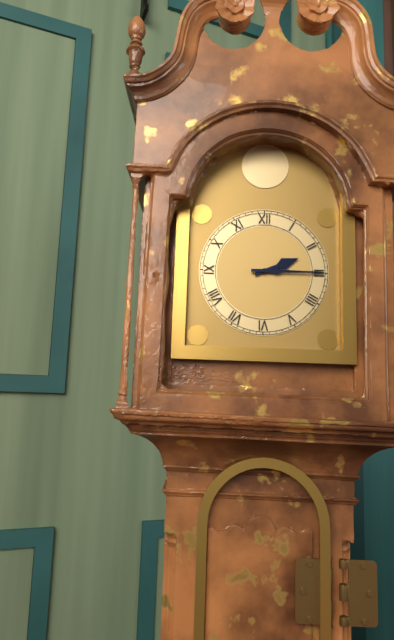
2:15
